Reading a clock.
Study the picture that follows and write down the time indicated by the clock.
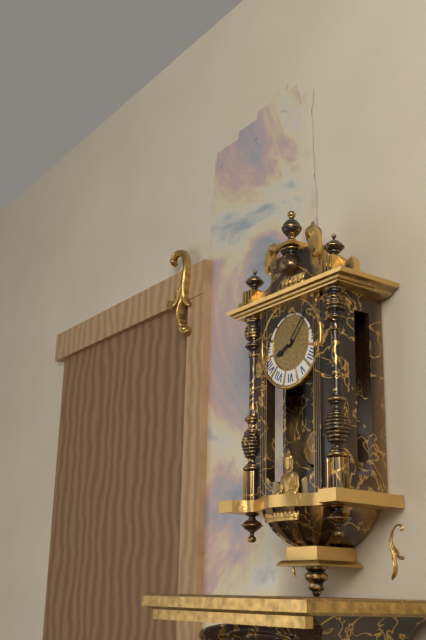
8:07
